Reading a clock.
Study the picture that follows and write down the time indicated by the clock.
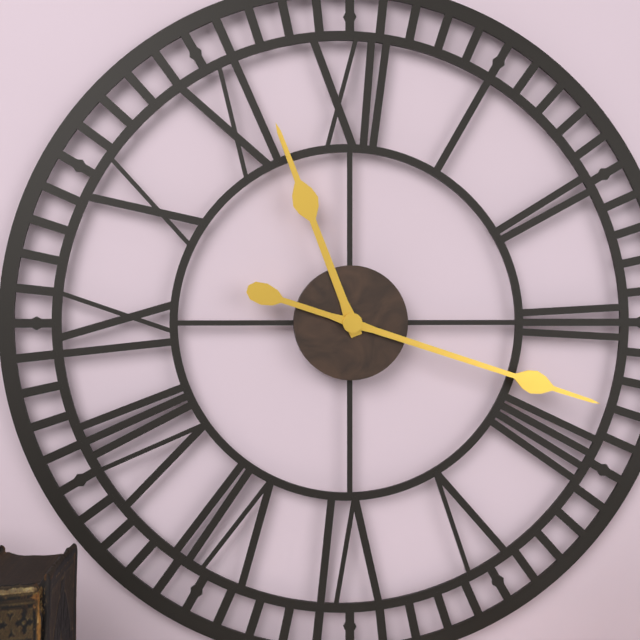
11:18
